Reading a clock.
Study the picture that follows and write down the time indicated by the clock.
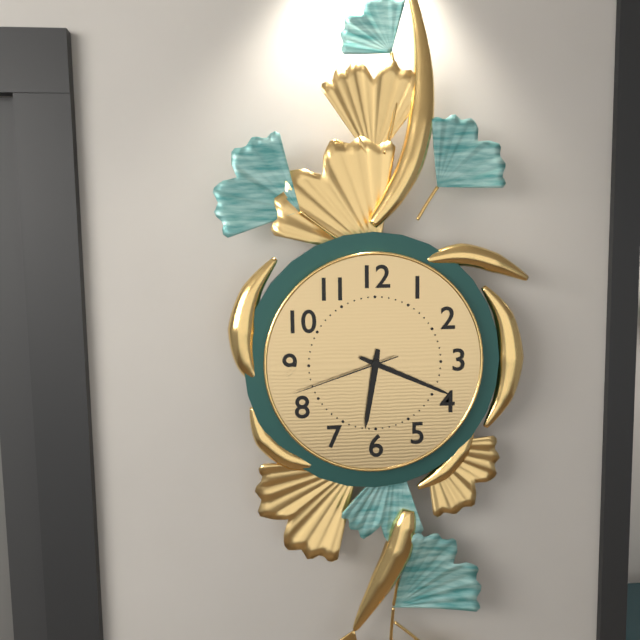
6:19:42
